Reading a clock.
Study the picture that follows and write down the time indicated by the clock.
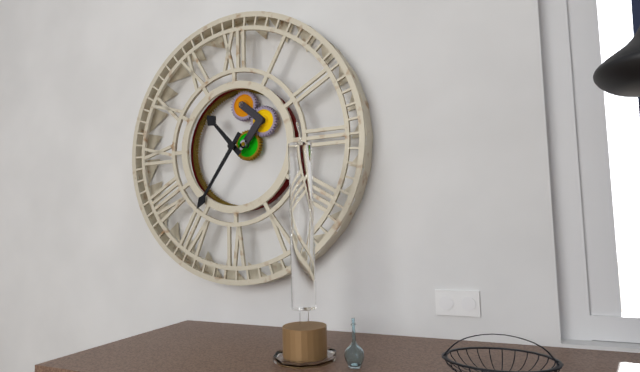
10:36
